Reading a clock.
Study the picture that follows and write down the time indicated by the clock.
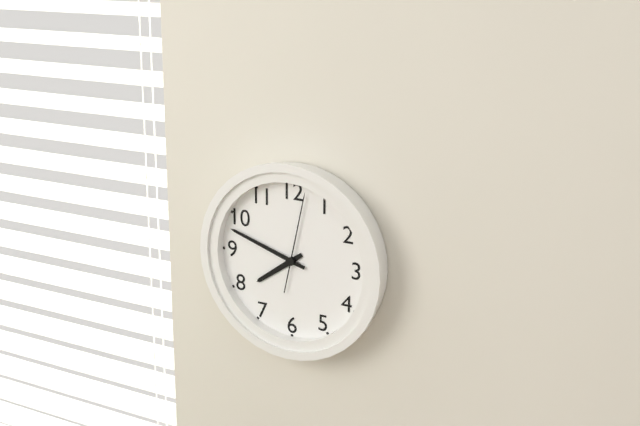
7:48:02
